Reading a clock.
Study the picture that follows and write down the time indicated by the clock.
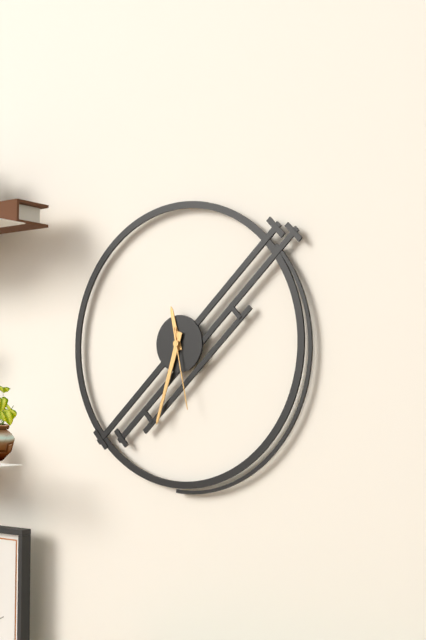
11:33:28
